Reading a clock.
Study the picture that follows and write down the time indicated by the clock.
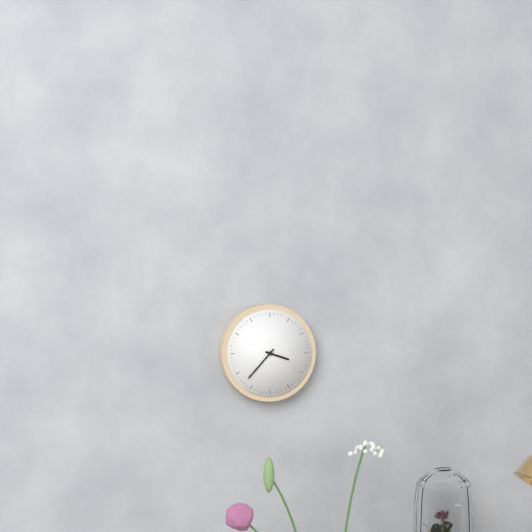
3:37
